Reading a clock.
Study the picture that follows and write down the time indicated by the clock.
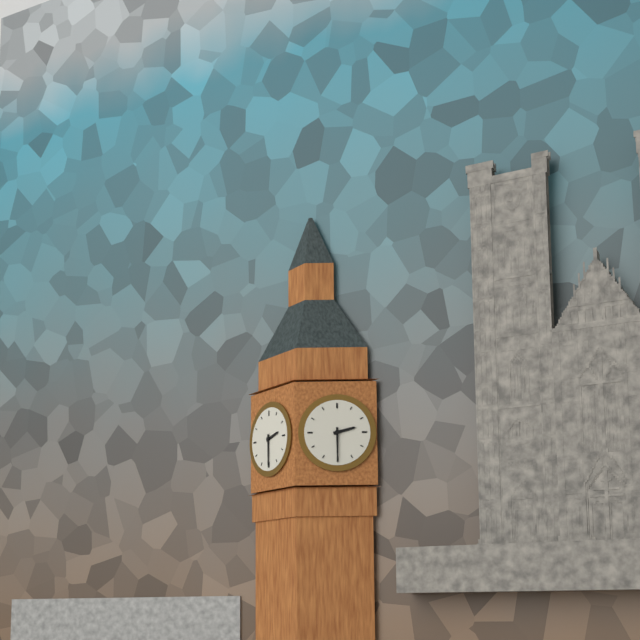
2:30
